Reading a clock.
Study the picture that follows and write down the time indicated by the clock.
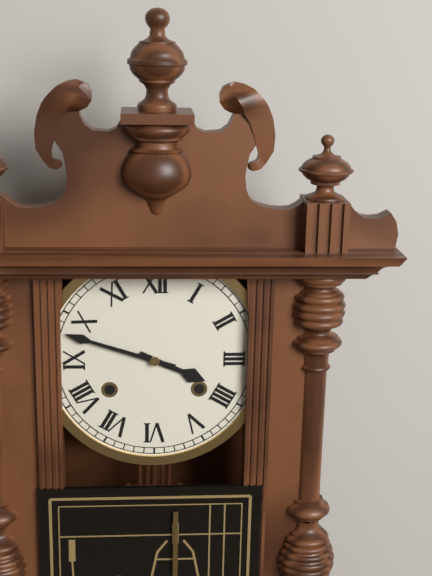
3:48
